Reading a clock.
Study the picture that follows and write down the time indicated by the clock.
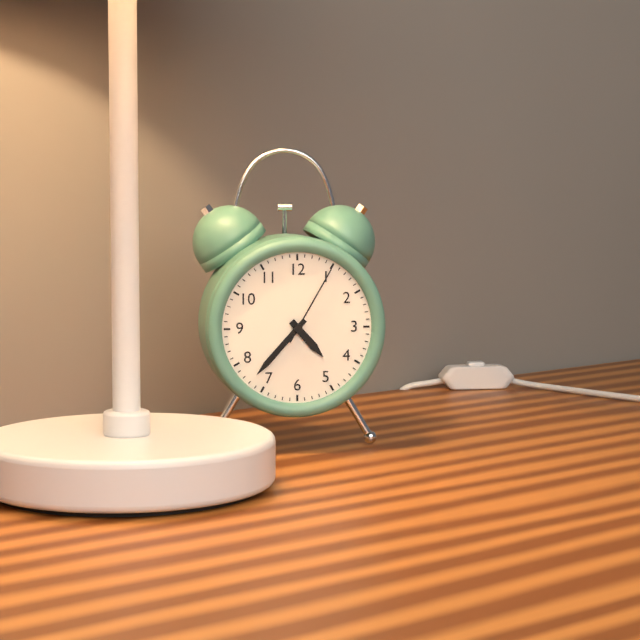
4:37:05
